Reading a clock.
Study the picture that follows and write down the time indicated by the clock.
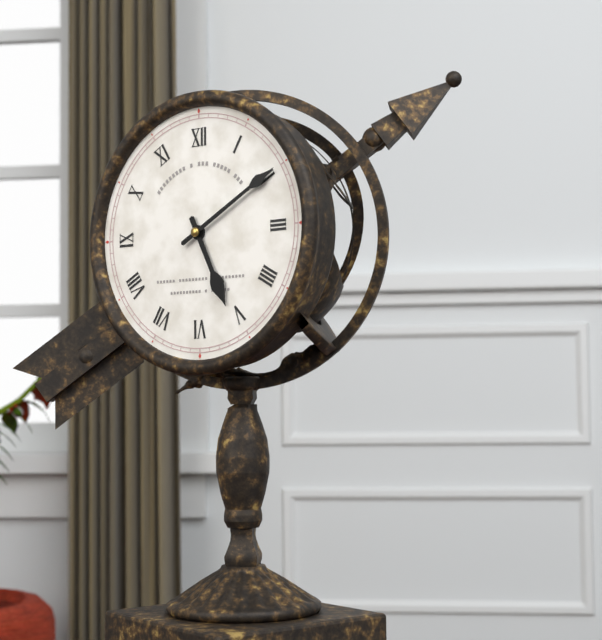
5:10
